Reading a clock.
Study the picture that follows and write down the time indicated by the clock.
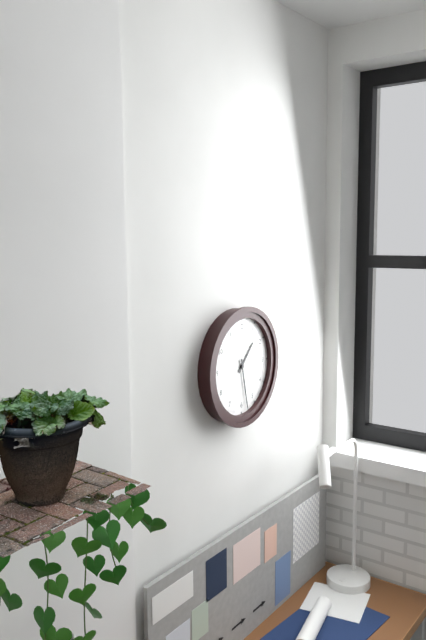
1:28
